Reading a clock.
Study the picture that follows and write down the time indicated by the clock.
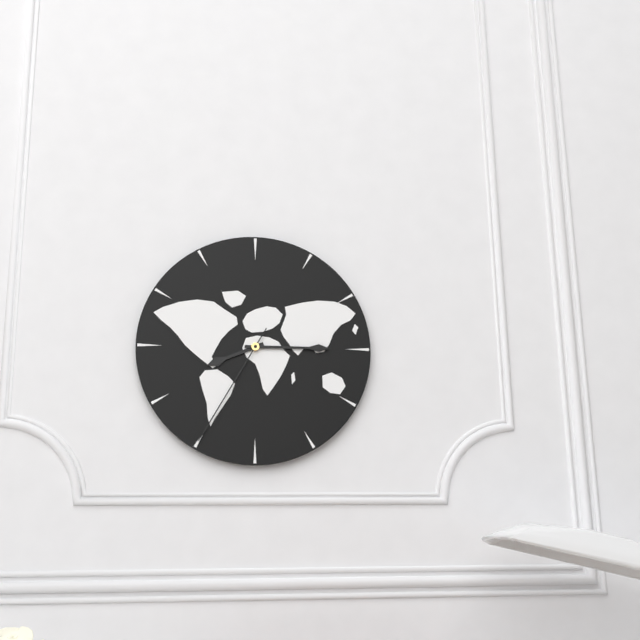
8:15:35
